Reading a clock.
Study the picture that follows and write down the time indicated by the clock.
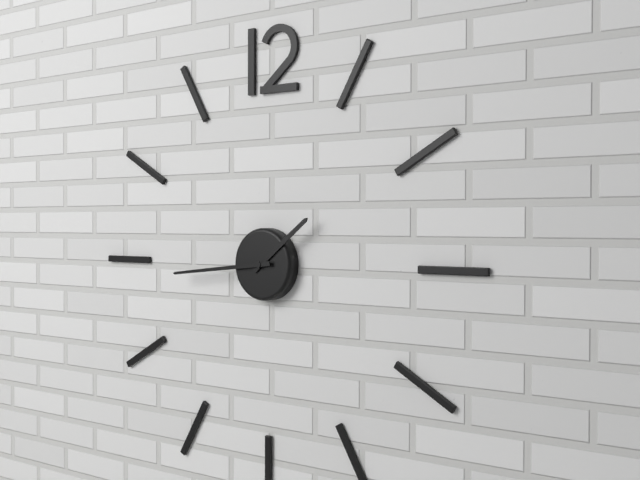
1:44
